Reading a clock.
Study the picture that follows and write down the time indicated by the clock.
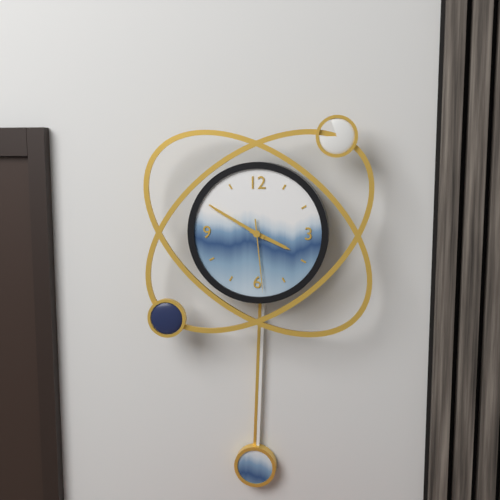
3:50:29
